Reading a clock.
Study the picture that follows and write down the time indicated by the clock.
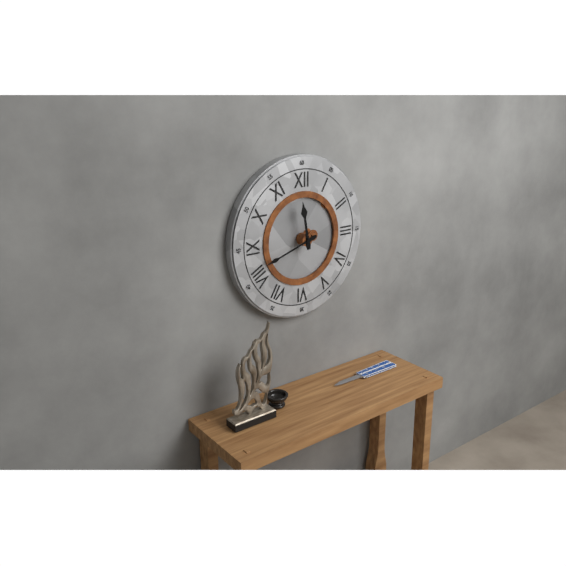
11:42
